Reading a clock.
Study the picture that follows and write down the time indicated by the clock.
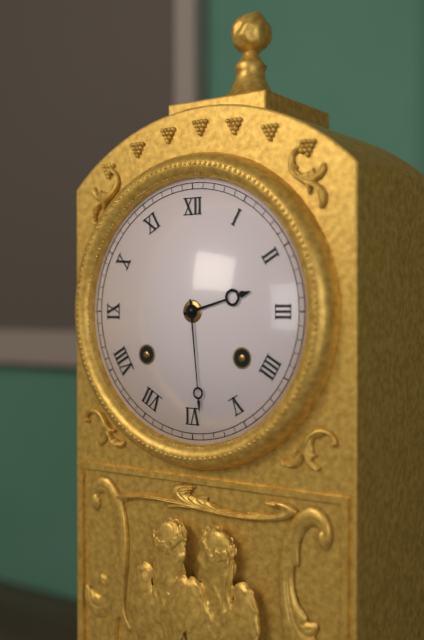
2:29
